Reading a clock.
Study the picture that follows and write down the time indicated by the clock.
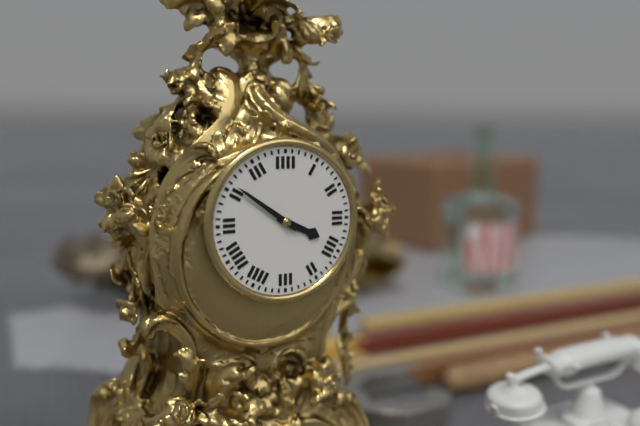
3:51
